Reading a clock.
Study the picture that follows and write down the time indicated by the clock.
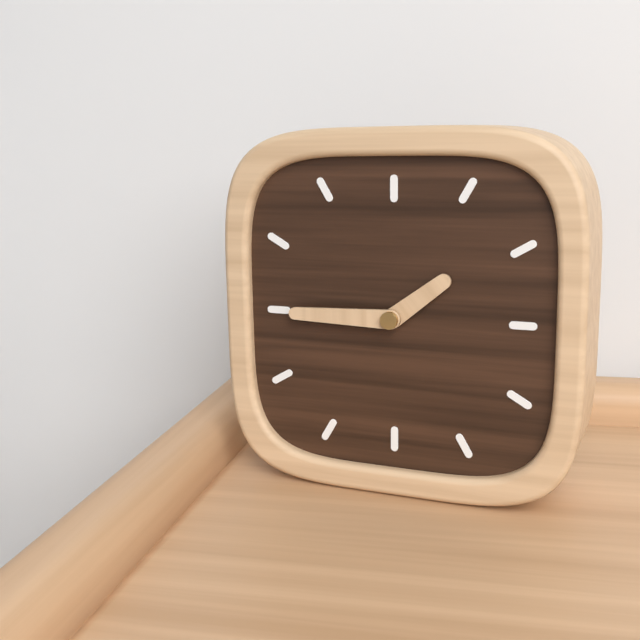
1:45
